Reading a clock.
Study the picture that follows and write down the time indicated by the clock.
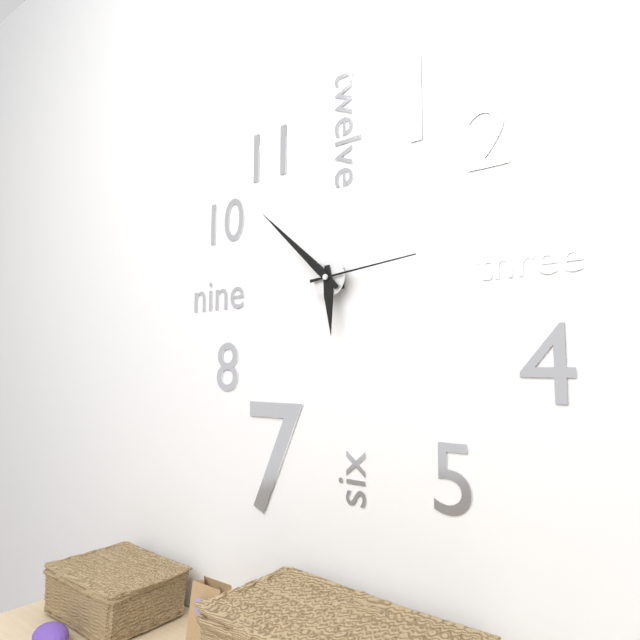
5:52:14
